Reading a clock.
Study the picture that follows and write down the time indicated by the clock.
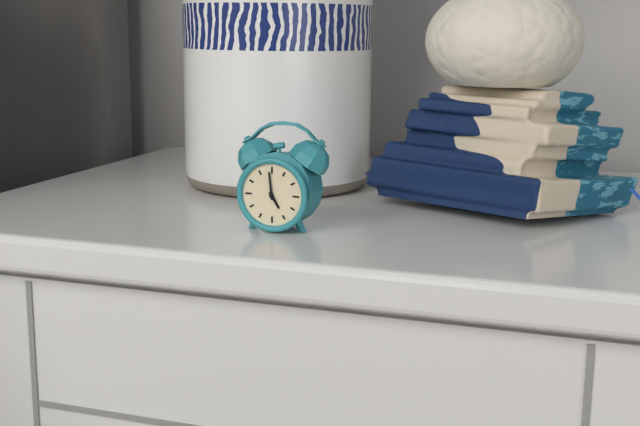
4:59
